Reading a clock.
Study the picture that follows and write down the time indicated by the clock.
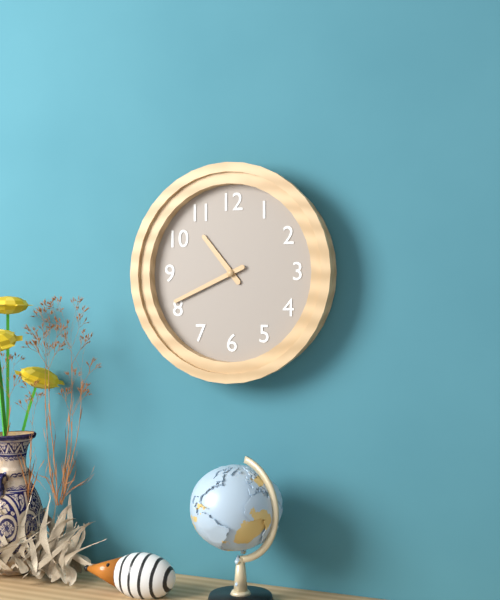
10:41
